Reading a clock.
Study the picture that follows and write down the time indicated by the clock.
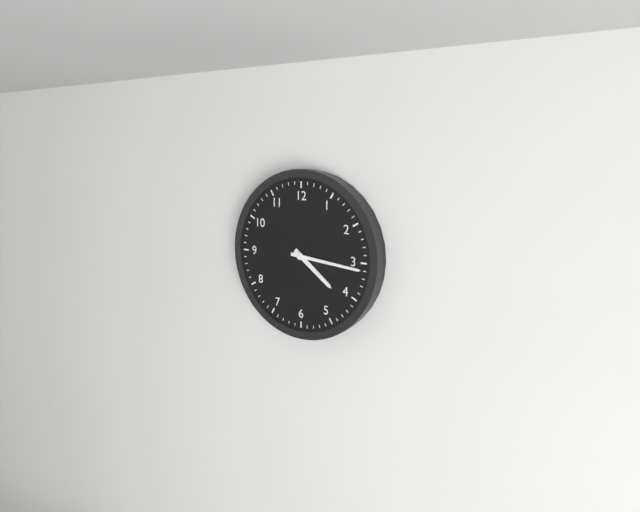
4:16
